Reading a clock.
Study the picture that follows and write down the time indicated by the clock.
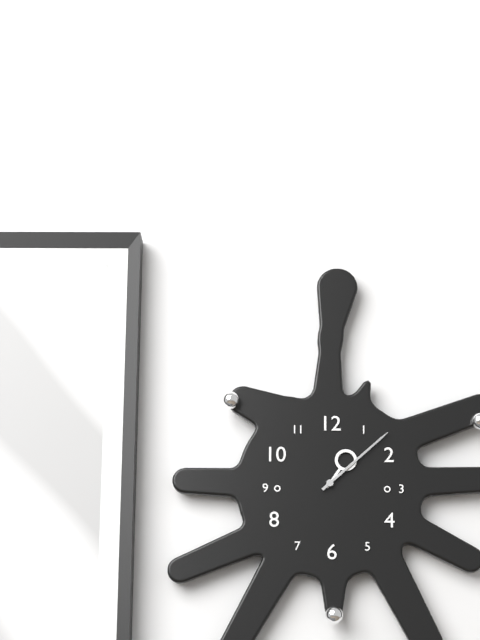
1:08
